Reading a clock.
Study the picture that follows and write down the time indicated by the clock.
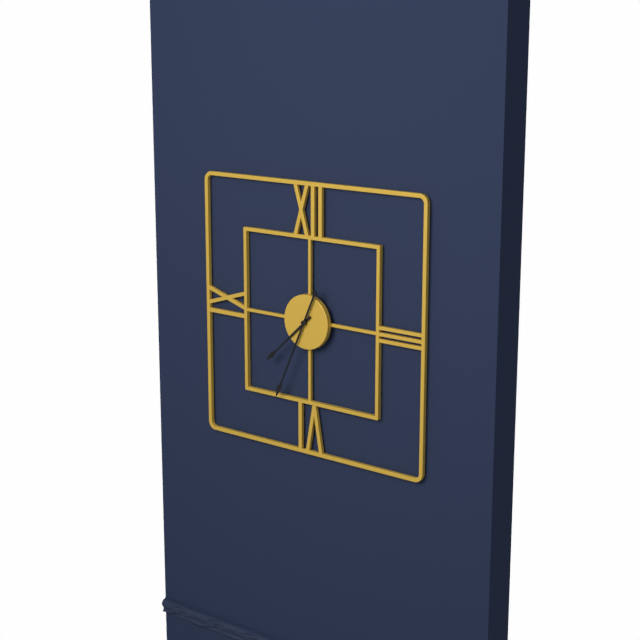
7:34
